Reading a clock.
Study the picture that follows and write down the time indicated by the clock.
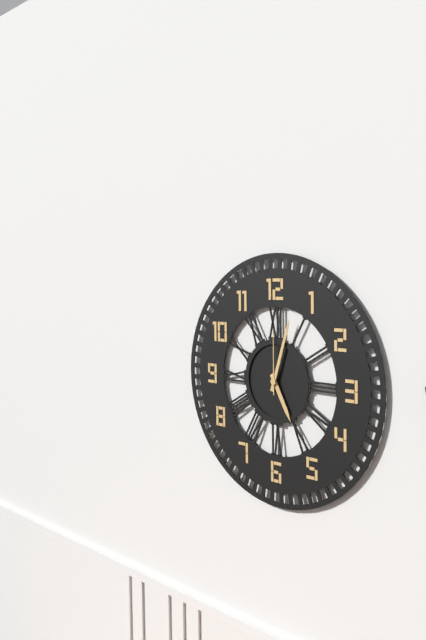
5:03:00
